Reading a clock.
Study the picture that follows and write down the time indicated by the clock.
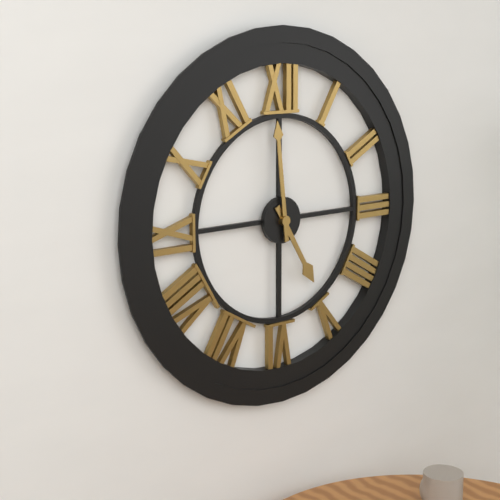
4:59
